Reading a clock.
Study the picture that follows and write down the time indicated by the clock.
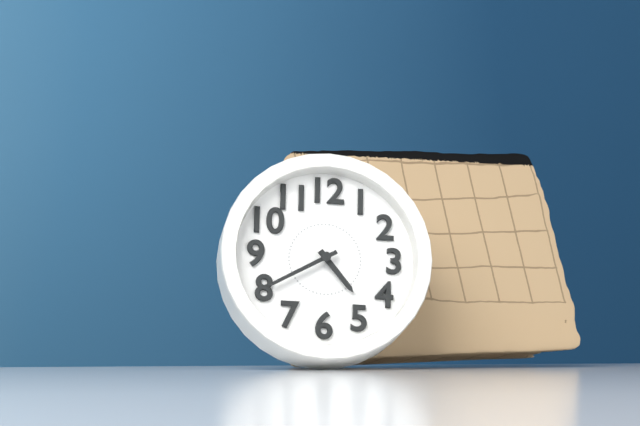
4:40
